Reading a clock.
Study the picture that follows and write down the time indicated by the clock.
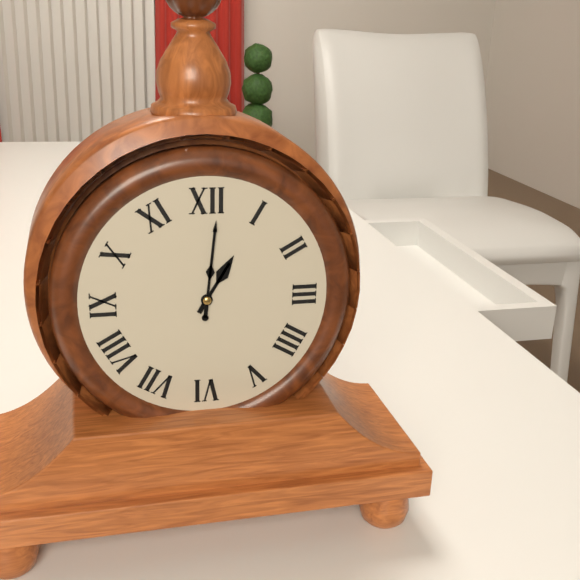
1:01
